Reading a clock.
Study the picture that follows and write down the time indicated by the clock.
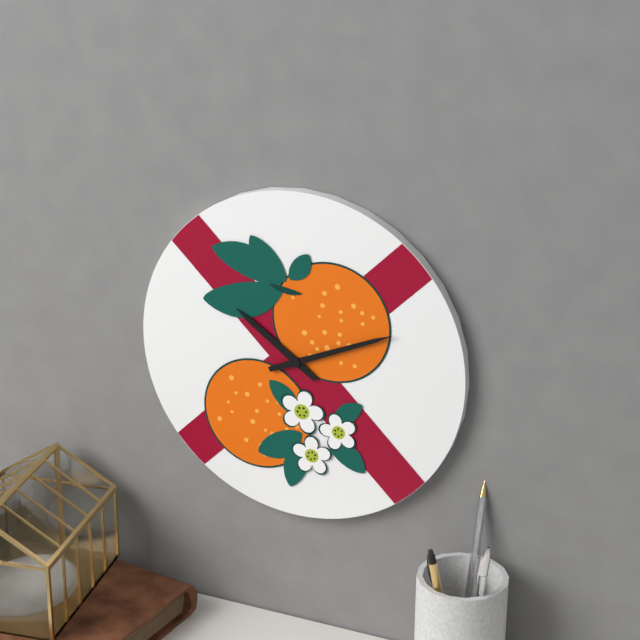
10:11
